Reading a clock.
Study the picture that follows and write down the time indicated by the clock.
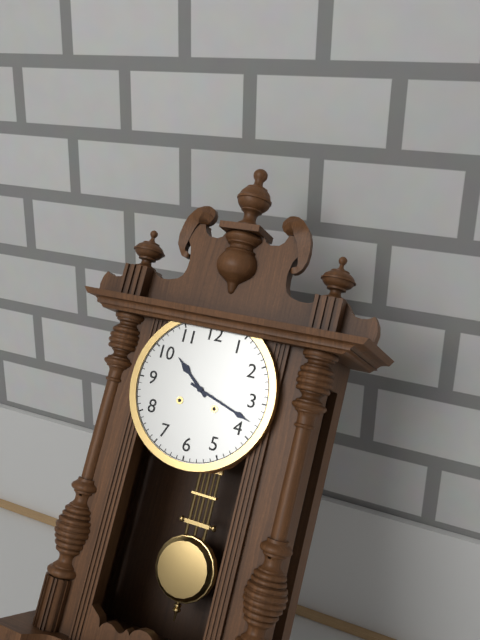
10:18
